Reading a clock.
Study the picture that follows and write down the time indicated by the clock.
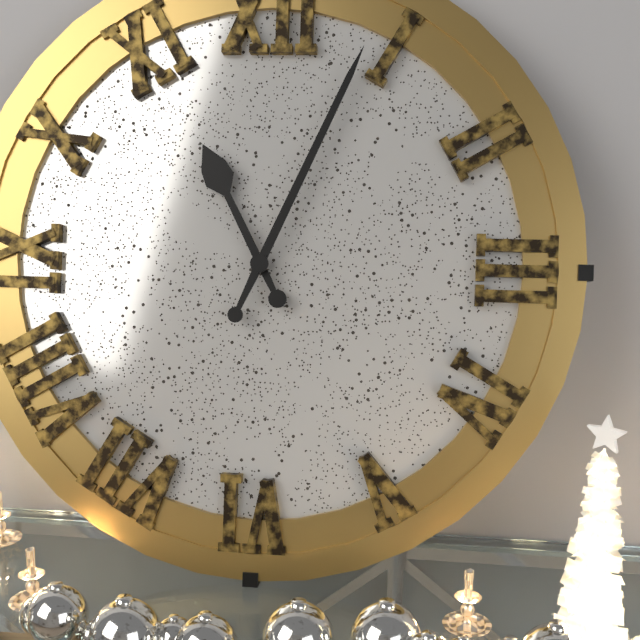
11:04
